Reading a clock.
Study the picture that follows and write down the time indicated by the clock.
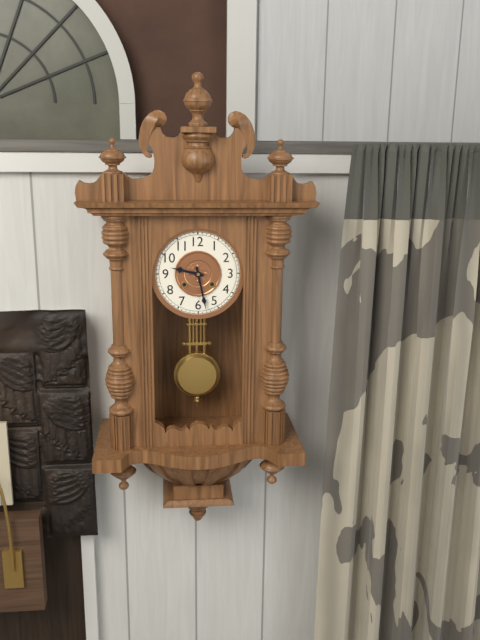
9:28
